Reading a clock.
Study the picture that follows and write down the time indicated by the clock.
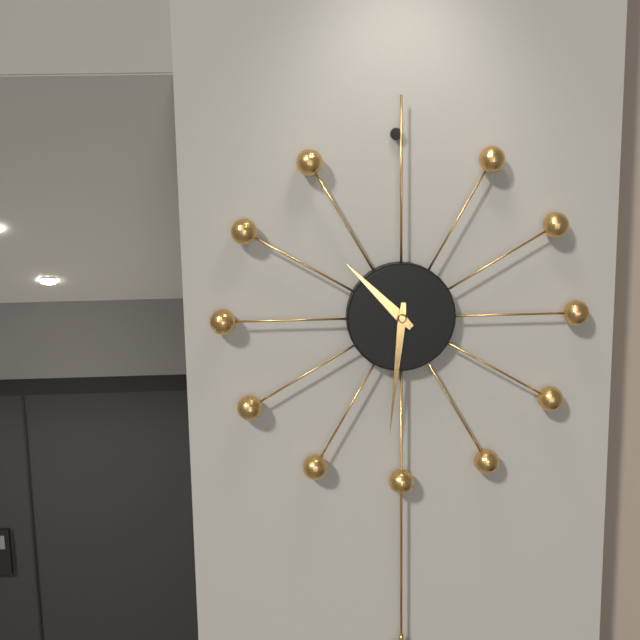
10:31
